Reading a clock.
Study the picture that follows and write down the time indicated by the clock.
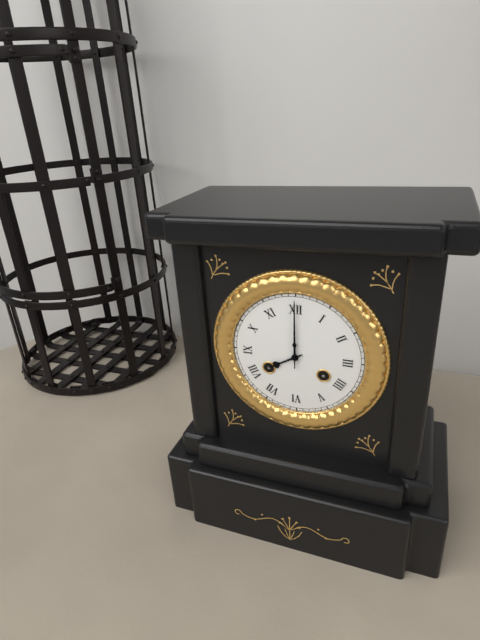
8:00
